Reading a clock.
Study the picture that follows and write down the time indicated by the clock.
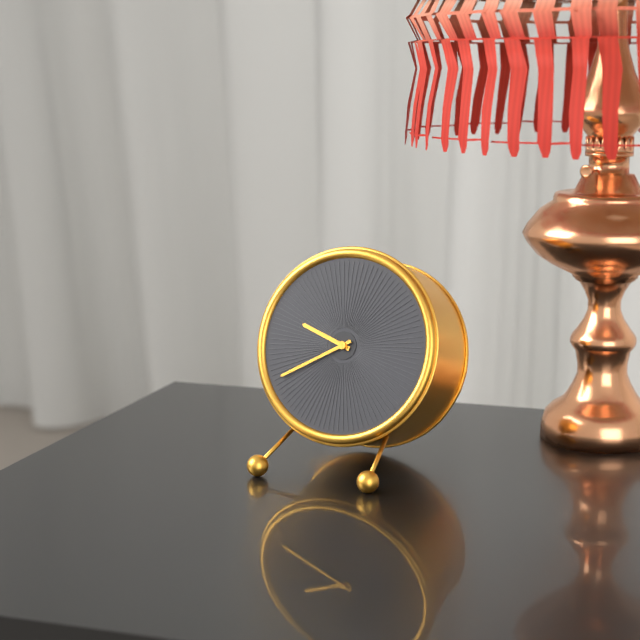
9:40
